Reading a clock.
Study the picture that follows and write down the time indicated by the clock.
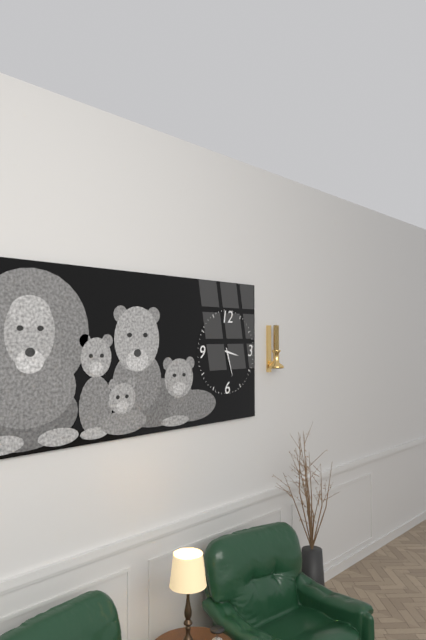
3:27
